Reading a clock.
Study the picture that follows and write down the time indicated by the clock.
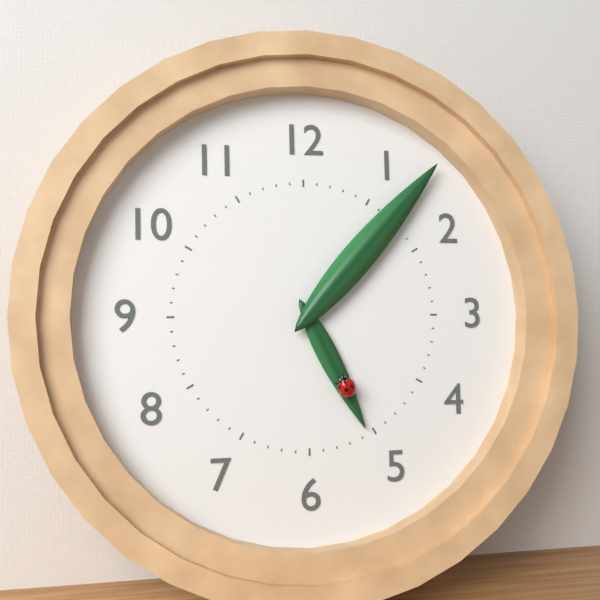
5:07
